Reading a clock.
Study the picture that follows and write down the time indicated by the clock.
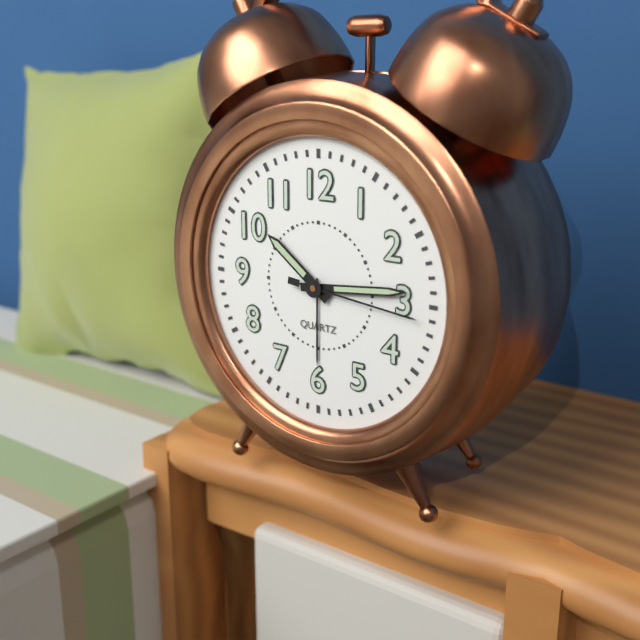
10:14:16
